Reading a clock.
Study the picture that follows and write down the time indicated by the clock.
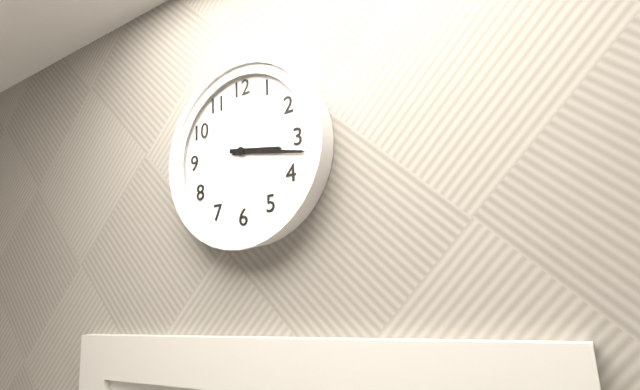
3:17
